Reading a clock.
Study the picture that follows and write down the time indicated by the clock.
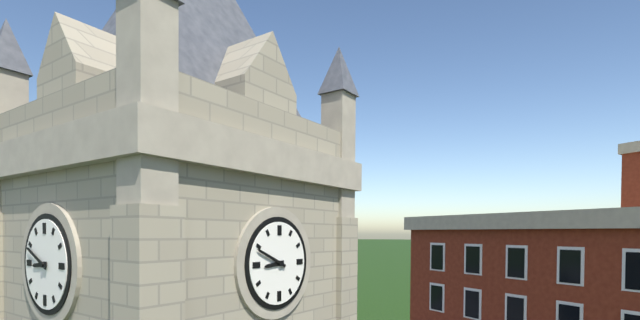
8:49
